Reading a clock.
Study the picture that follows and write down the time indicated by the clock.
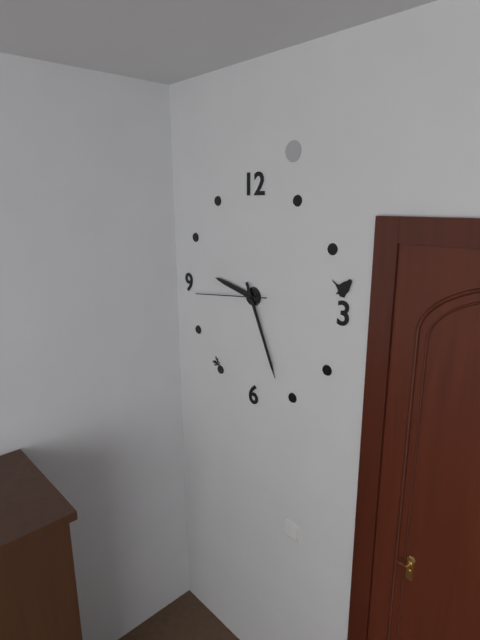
9:26:44
